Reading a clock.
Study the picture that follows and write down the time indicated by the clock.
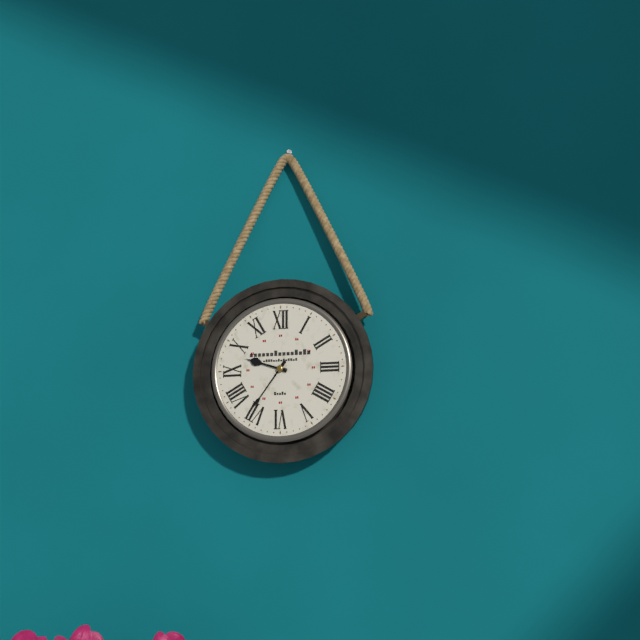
9:36
